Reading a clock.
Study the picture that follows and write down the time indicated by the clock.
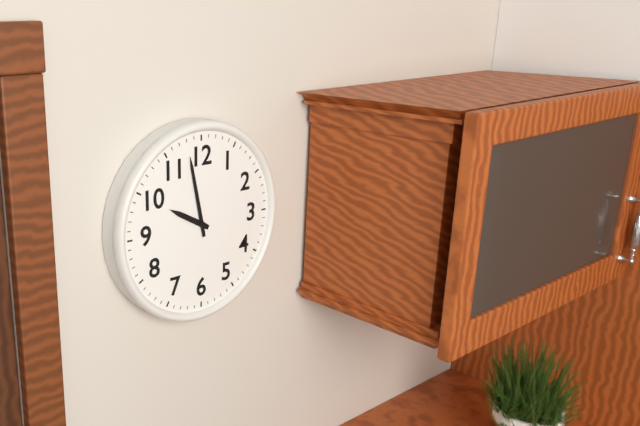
9:58
